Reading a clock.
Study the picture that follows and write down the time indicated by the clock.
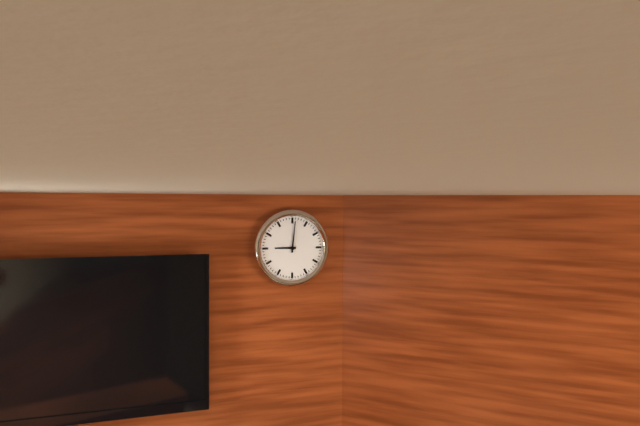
9:01
